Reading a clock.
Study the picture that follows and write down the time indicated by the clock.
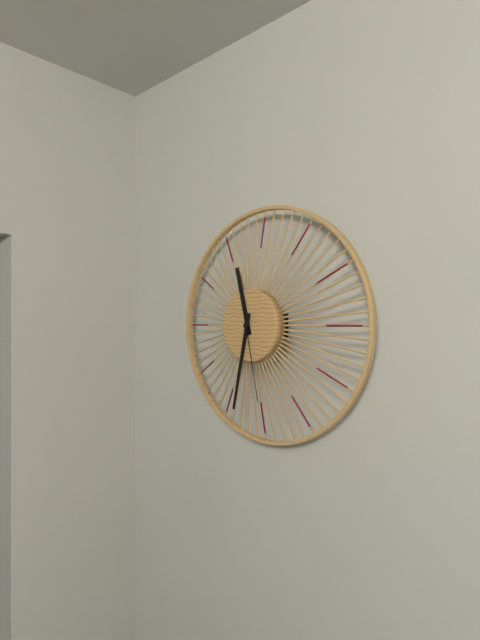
11:32:28
